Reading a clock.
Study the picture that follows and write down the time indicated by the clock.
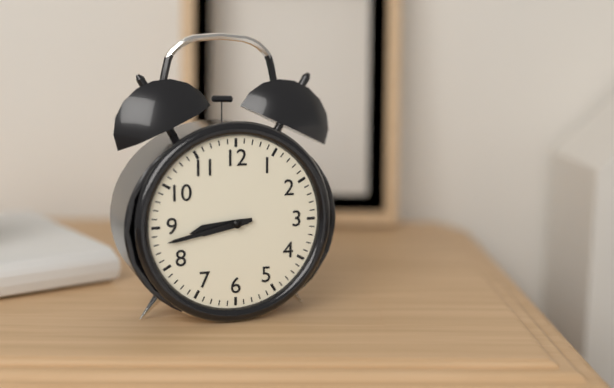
8:43
